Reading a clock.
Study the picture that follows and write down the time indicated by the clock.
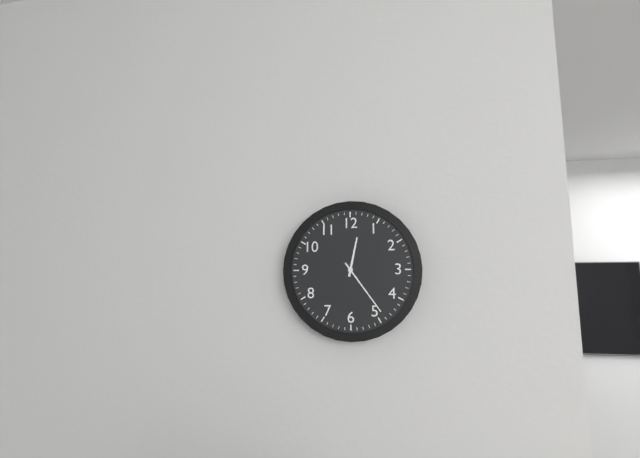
12:24
